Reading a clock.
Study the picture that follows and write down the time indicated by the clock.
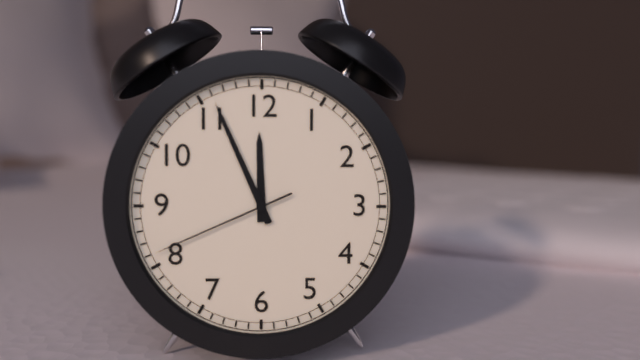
11:56:41
